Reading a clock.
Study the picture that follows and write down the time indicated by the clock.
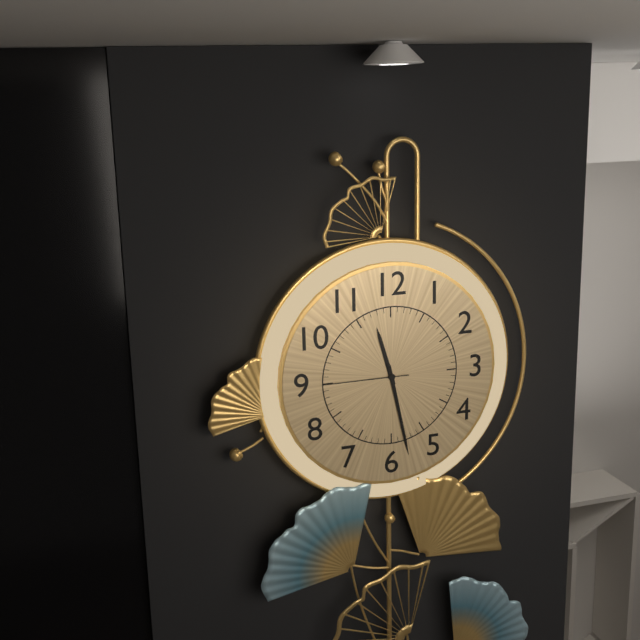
11:28:45
